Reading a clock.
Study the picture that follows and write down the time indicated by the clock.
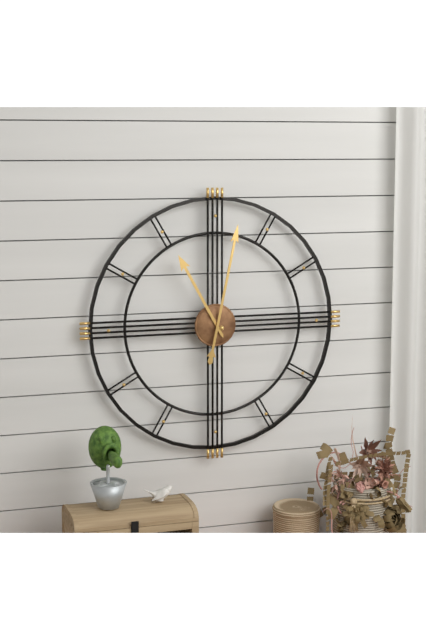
11:02
